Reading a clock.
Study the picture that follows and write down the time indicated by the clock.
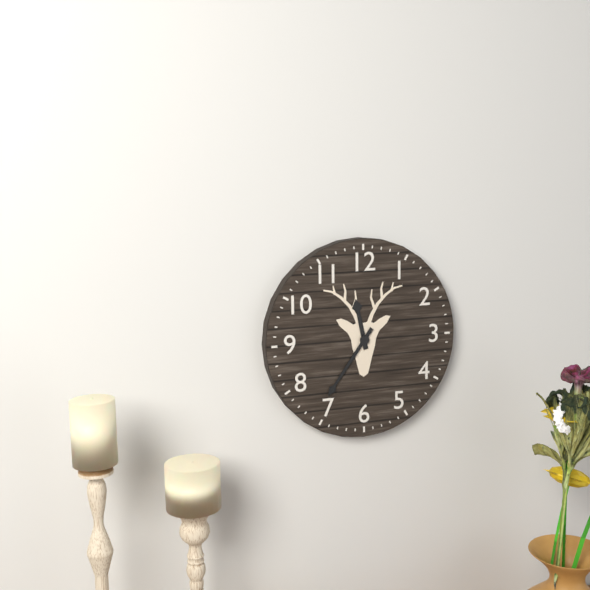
11:36
